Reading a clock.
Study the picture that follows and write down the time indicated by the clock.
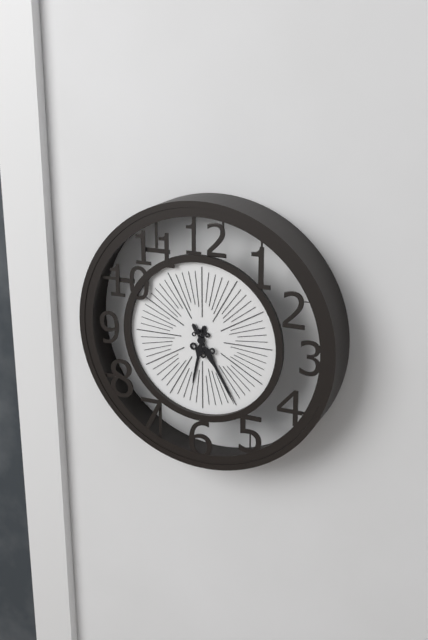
6:25
